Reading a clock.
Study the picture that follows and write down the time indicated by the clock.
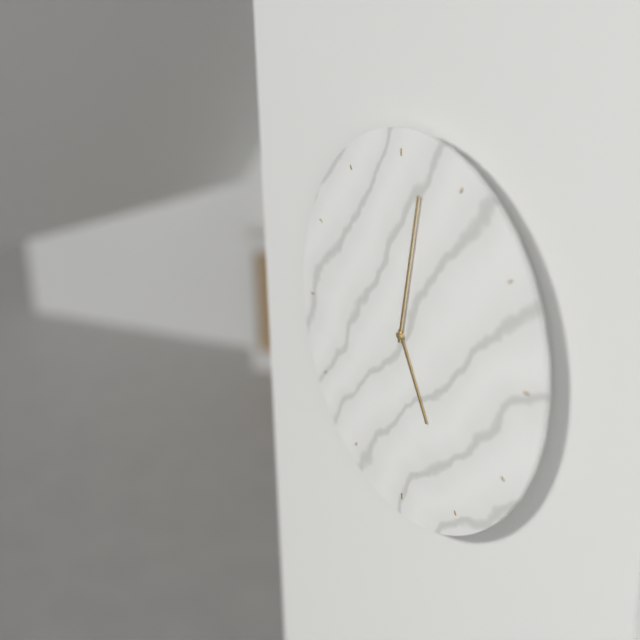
5:02
